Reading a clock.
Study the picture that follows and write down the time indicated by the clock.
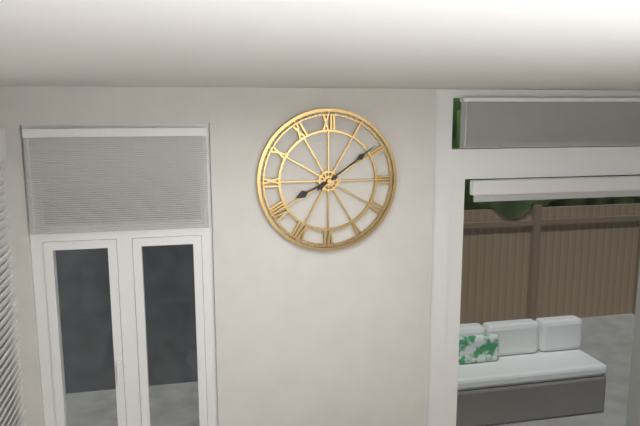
8:09
